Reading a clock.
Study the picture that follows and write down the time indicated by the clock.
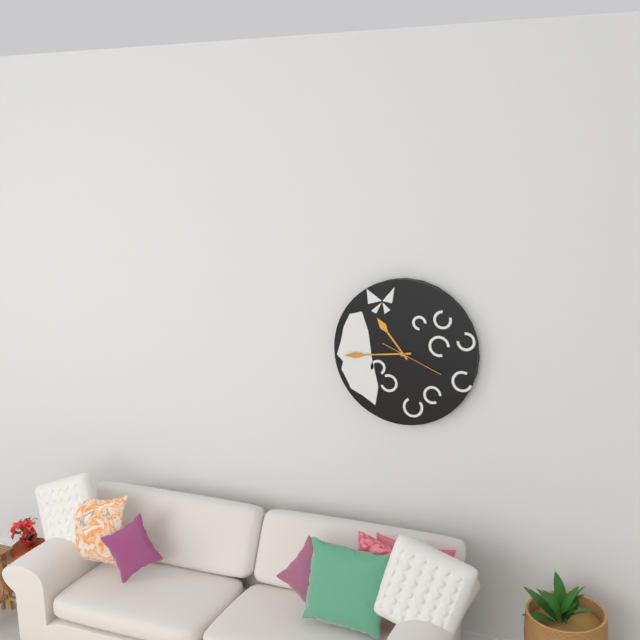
10:44:19
